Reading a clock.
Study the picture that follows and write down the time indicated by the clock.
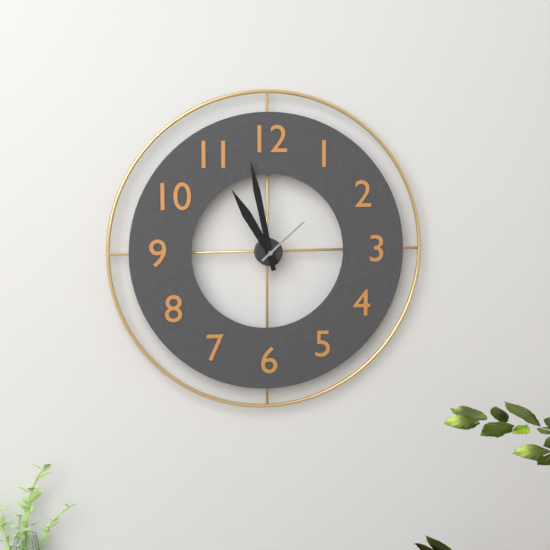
10:58:08
